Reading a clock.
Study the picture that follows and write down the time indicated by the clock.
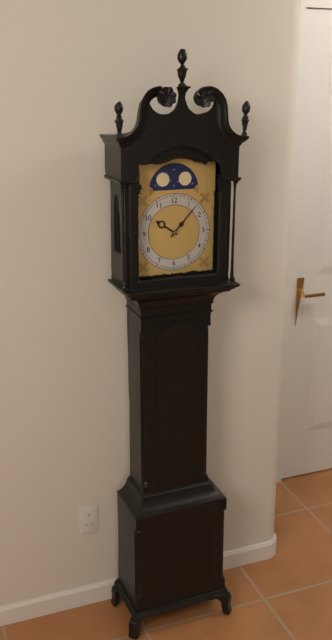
10:07
